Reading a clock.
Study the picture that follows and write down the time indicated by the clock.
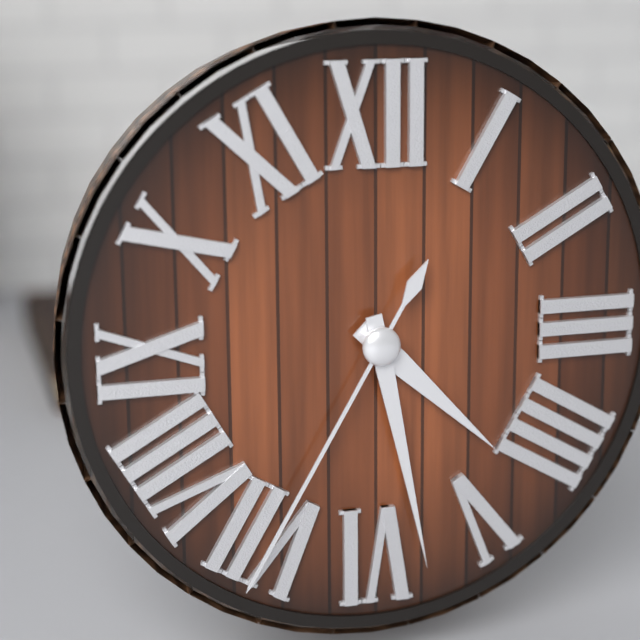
4:28:35
